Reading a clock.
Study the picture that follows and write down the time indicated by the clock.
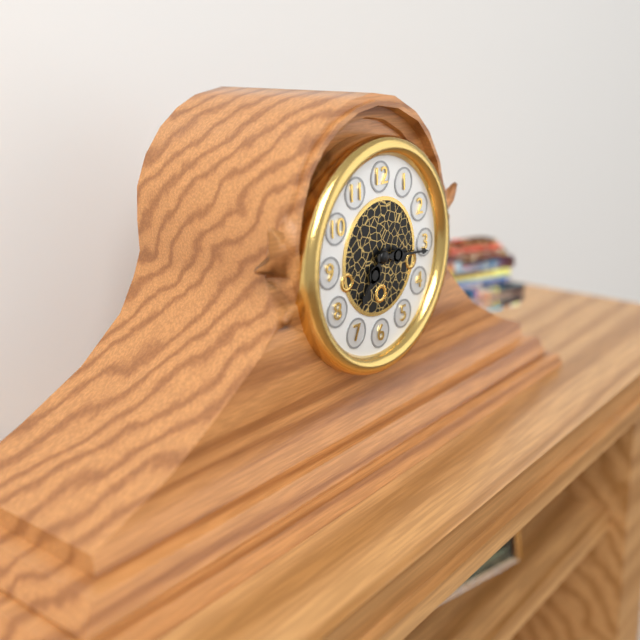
7:16
